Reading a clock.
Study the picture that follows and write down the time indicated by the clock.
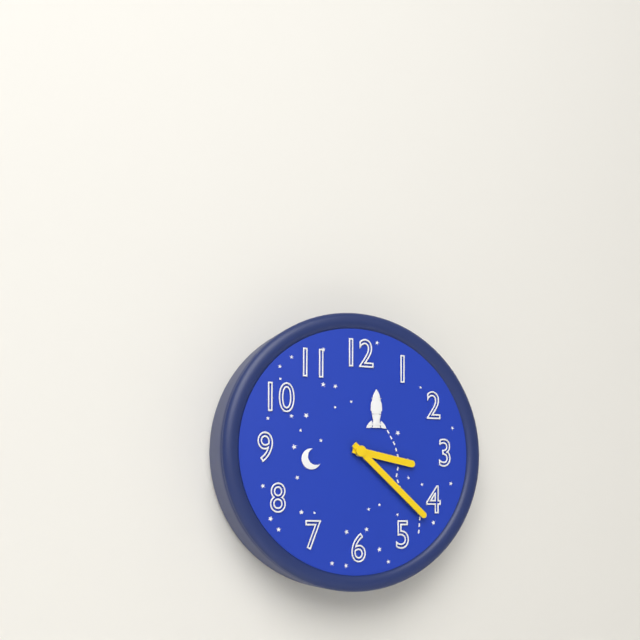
3:22
